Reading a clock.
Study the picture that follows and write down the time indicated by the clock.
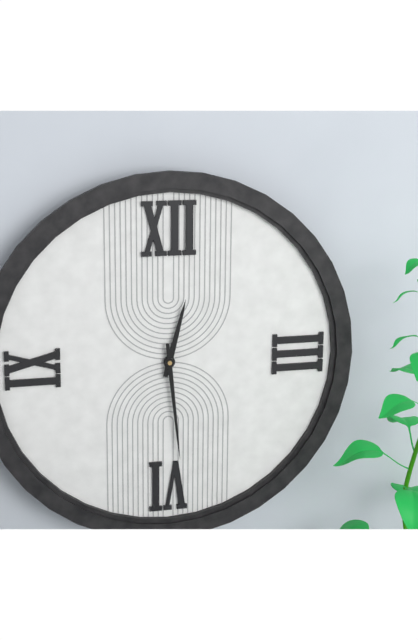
12:29
